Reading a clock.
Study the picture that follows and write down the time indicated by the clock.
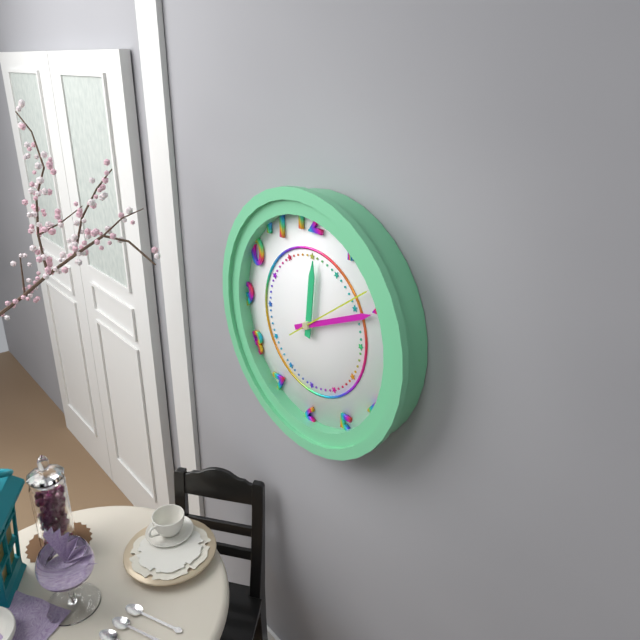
12:11:09
